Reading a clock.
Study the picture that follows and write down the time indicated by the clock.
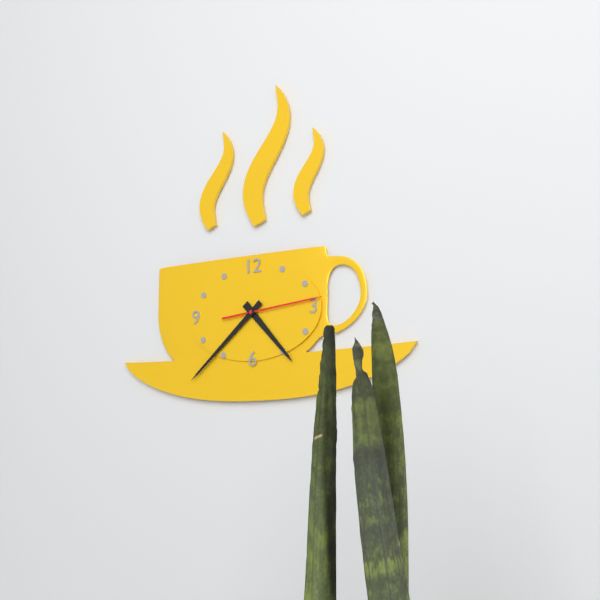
4:38:14
